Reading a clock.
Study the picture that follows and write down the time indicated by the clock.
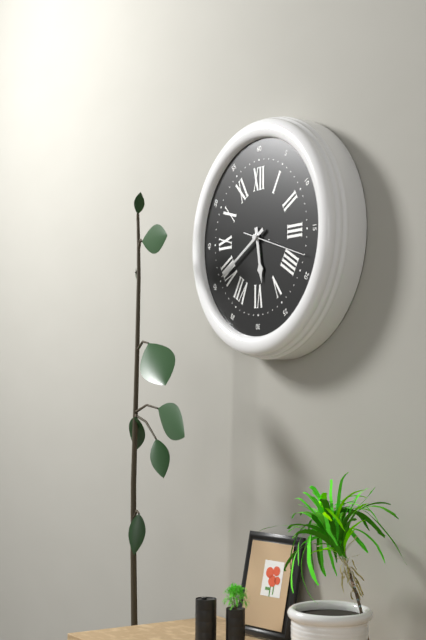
5:40
